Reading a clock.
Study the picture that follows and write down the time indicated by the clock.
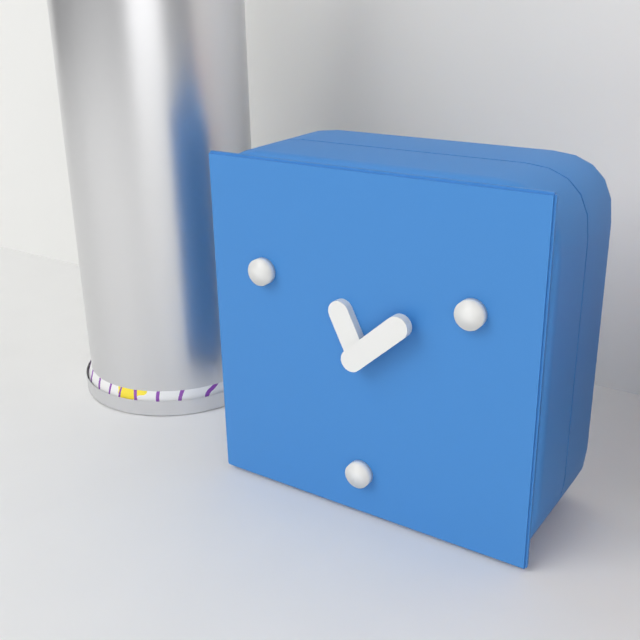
11:08
